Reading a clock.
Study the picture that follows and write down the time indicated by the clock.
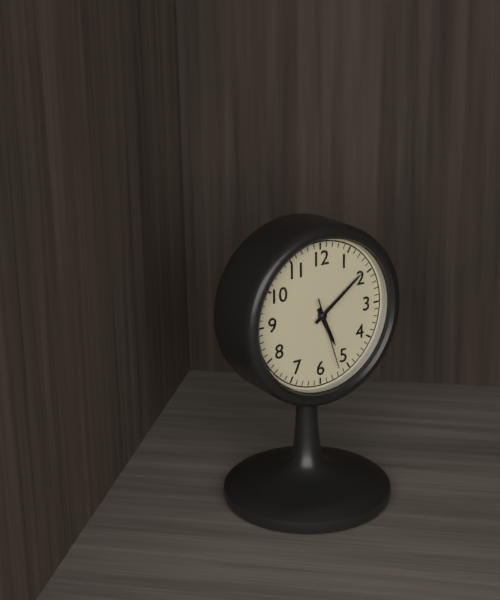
5:09:27
